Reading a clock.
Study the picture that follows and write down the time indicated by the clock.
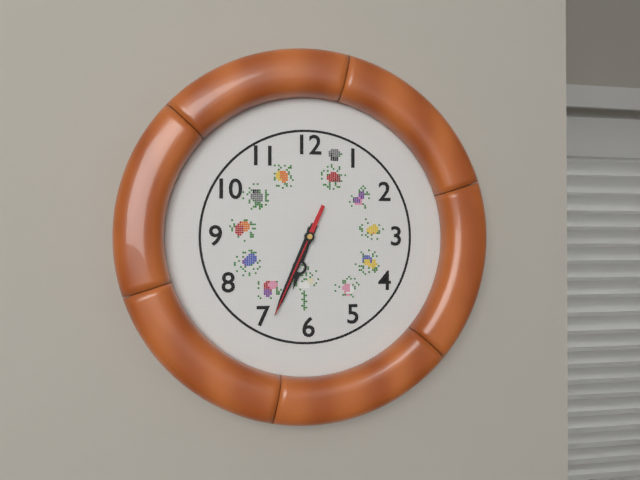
6:34:34
